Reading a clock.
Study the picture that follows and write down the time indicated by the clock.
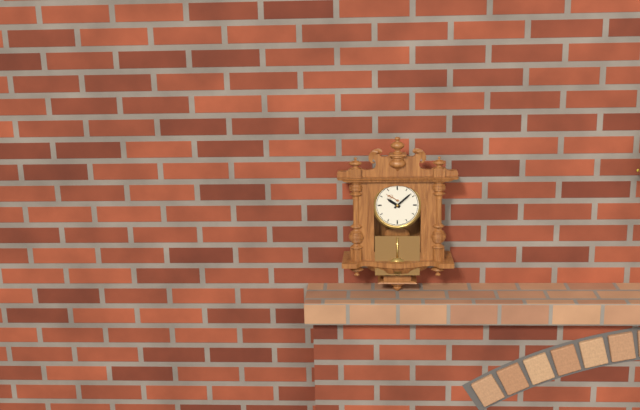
10:08
